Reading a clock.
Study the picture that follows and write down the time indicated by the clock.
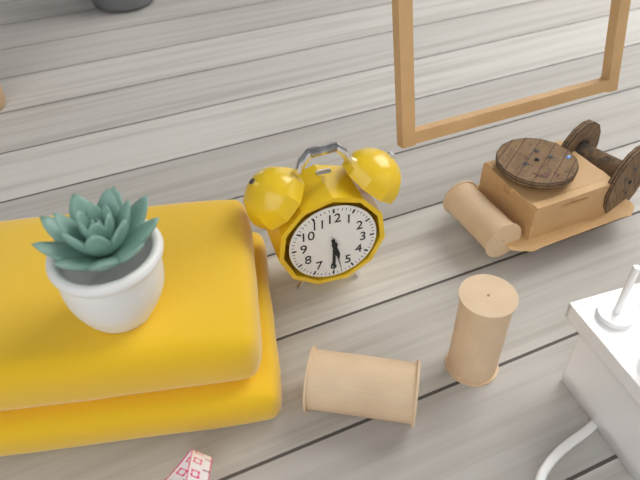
5:30
